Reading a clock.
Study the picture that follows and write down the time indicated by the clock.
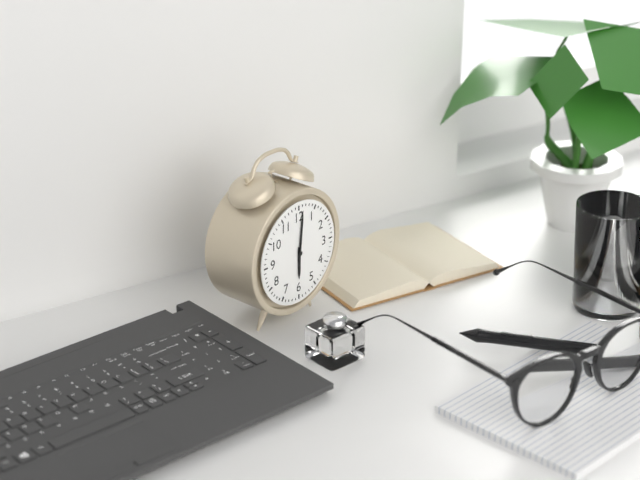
6:01
